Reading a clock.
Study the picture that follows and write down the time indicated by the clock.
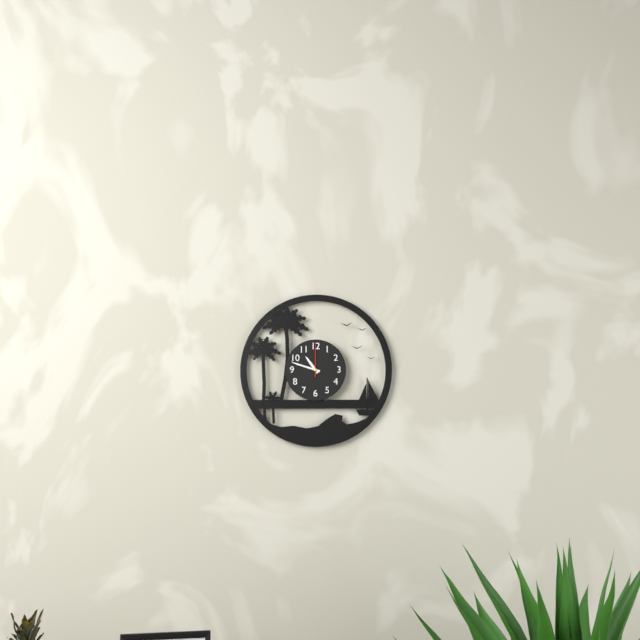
10:48
